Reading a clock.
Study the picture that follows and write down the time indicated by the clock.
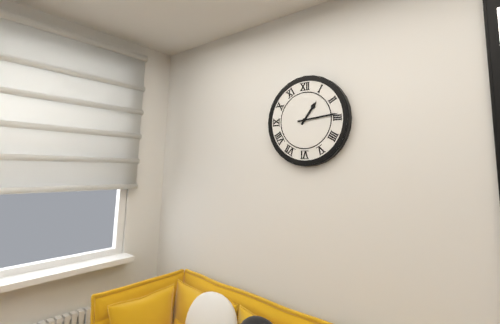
1:14
